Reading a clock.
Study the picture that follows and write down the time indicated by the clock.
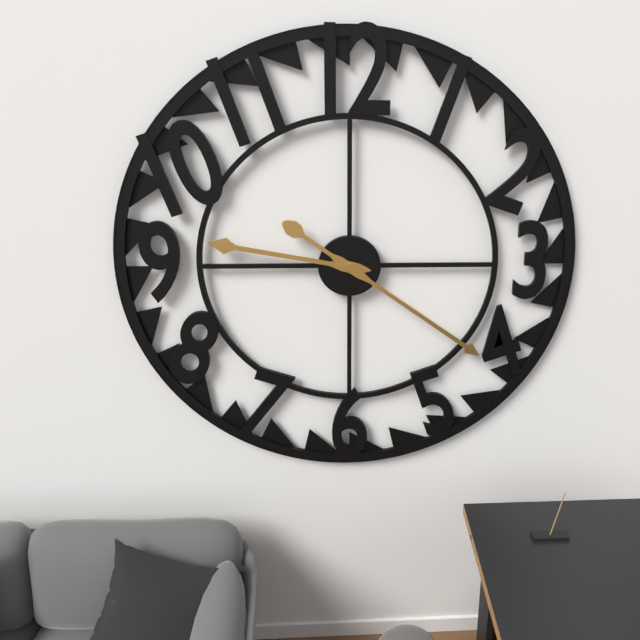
9:21
